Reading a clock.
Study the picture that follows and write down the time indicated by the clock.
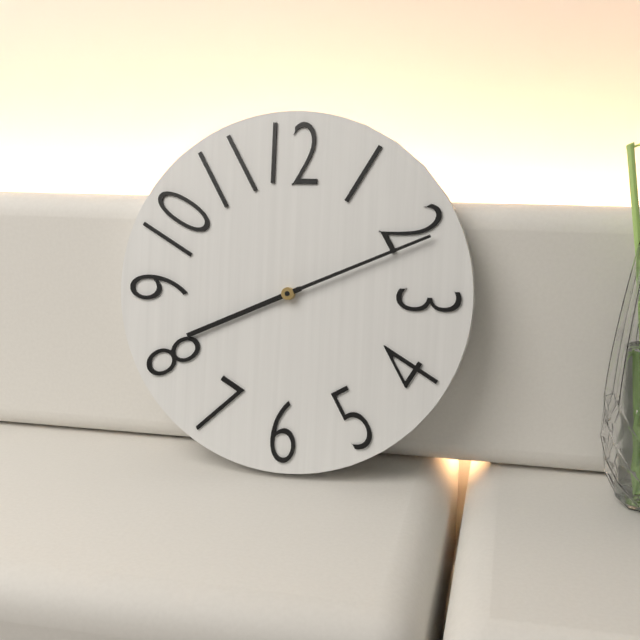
8:11
